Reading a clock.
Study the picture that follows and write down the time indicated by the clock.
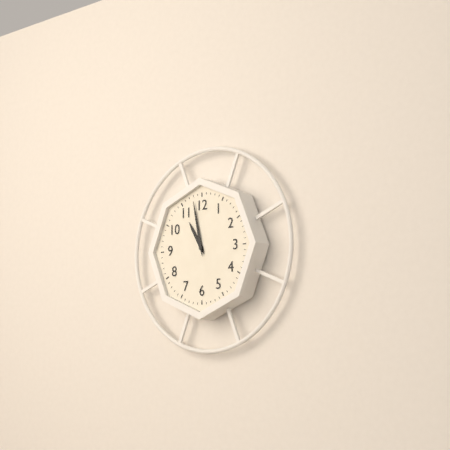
10:58
